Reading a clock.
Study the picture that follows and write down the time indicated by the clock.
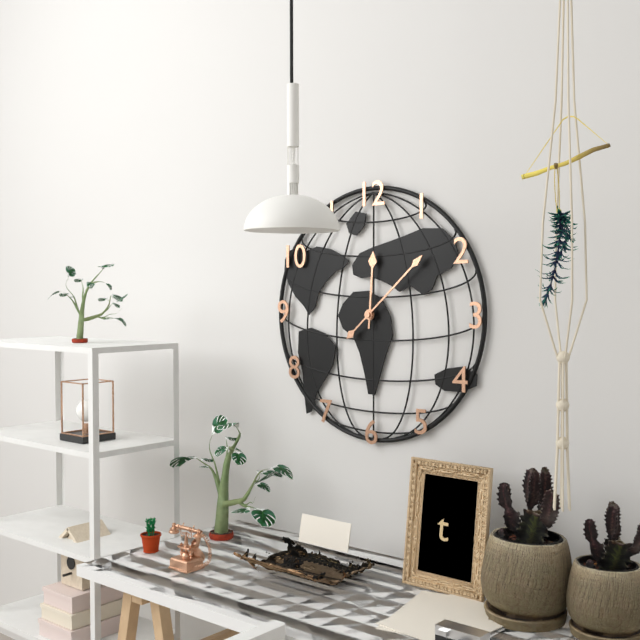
12:08
